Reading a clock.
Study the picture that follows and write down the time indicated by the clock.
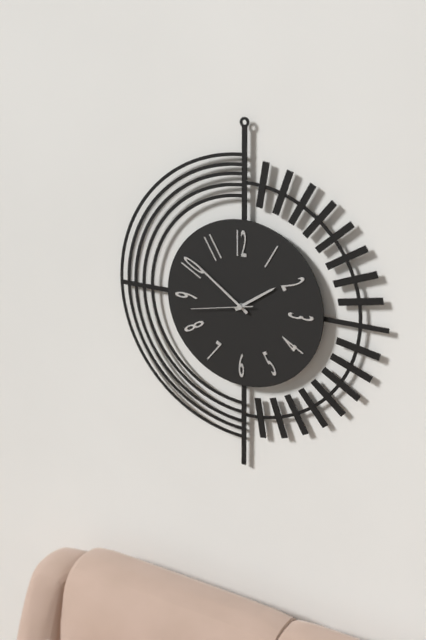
1:51:43
